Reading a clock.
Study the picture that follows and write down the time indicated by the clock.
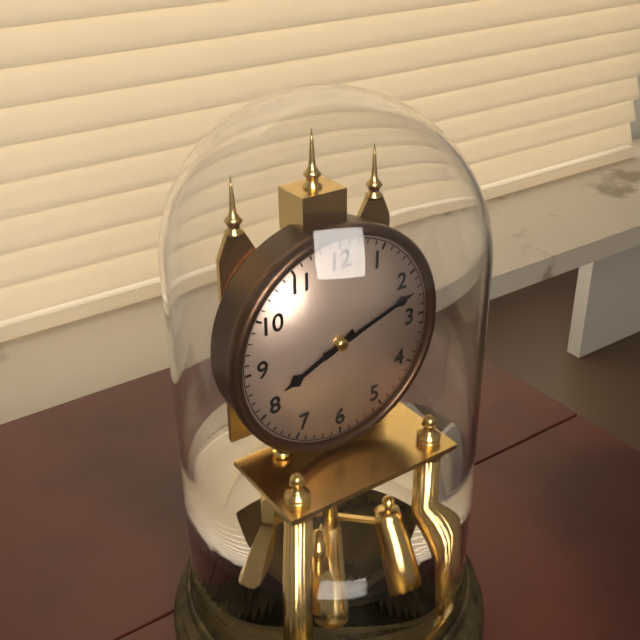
8:12
